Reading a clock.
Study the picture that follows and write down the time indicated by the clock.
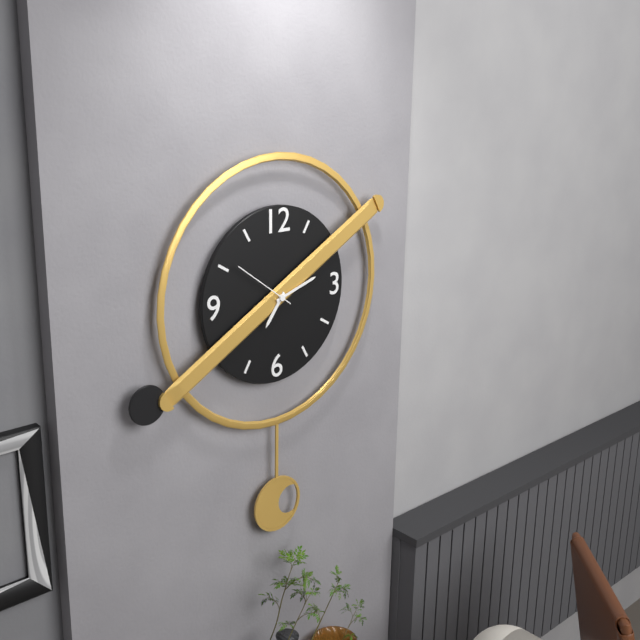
7:12
